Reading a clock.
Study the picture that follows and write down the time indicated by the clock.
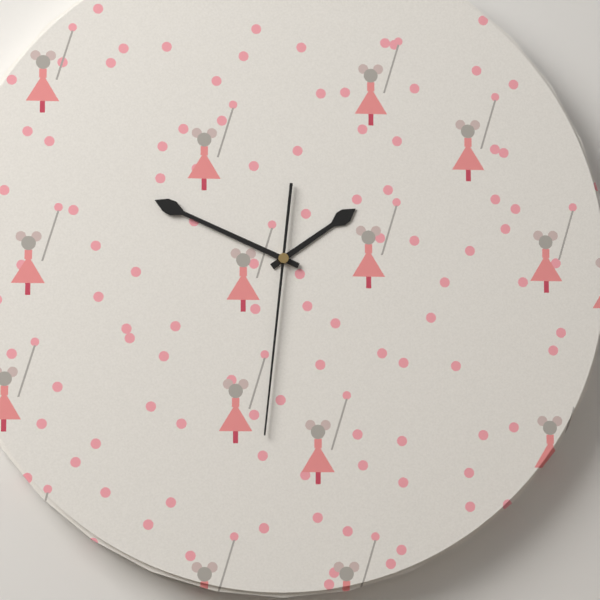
1:49:31
